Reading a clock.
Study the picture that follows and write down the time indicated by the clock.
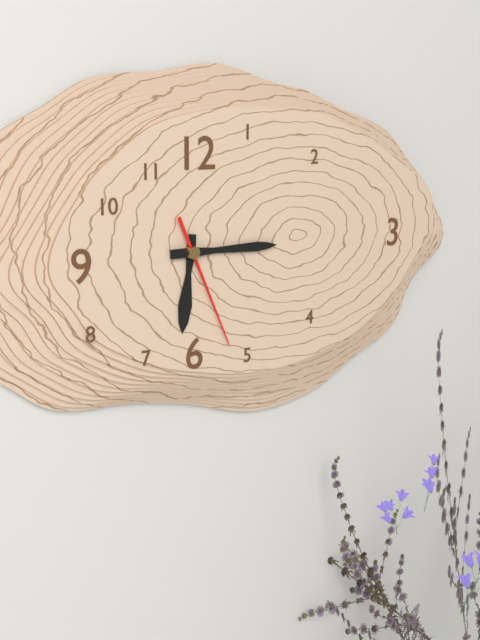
6:15:26
